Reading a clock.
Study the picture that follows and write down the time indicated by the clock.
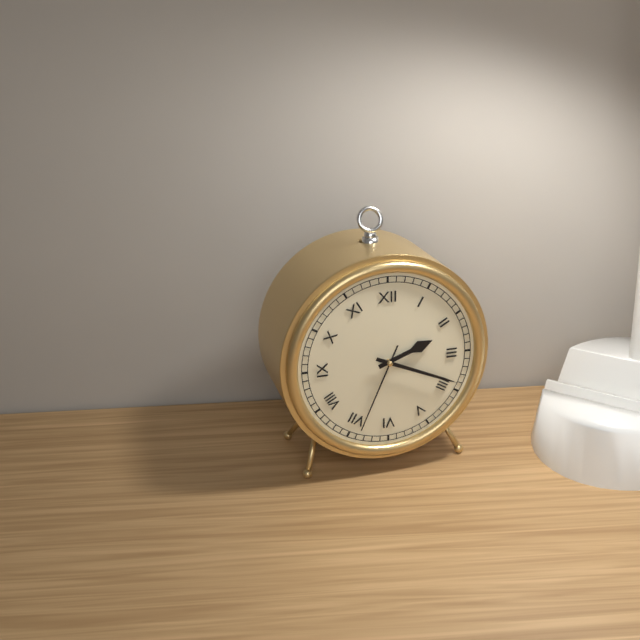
2:19:34
